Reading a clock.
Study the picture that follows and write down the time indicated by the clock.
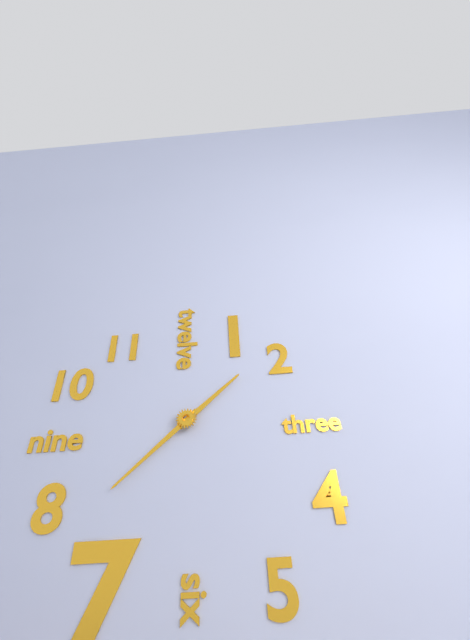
1:38
